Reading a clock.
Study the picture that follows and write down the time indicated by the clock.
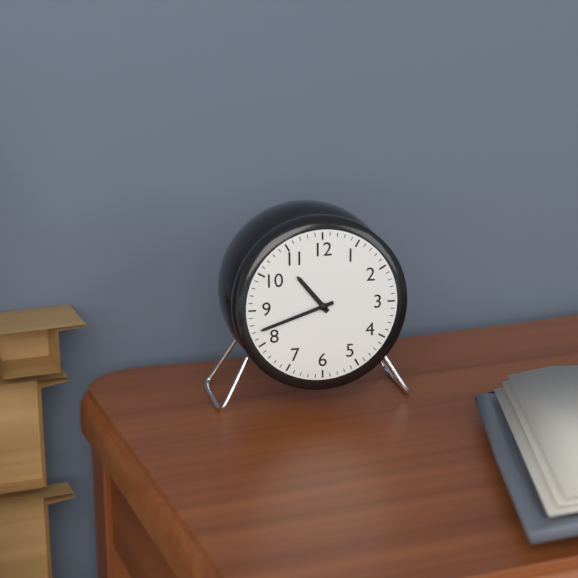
10:42
